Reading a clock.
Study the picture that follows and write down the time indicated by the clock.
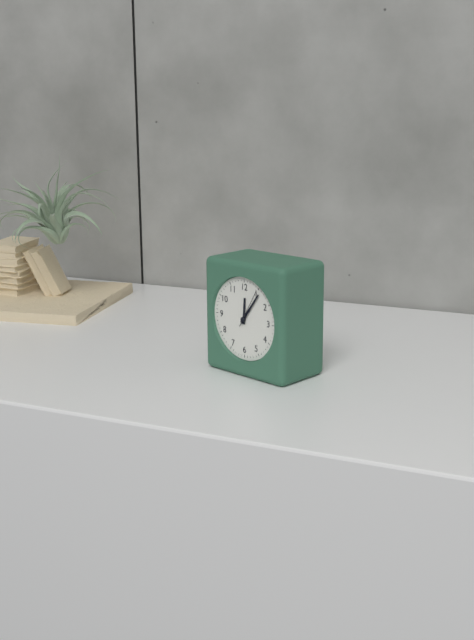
12:06
